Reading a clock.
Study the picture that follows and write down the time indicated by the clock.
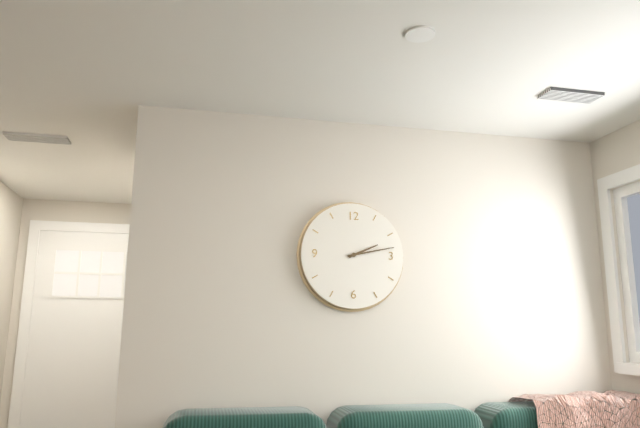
2:13
